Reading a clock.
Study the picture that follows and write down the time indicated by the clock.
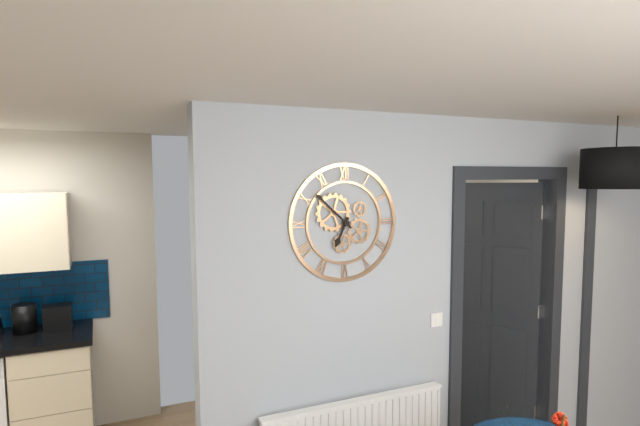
6:52
